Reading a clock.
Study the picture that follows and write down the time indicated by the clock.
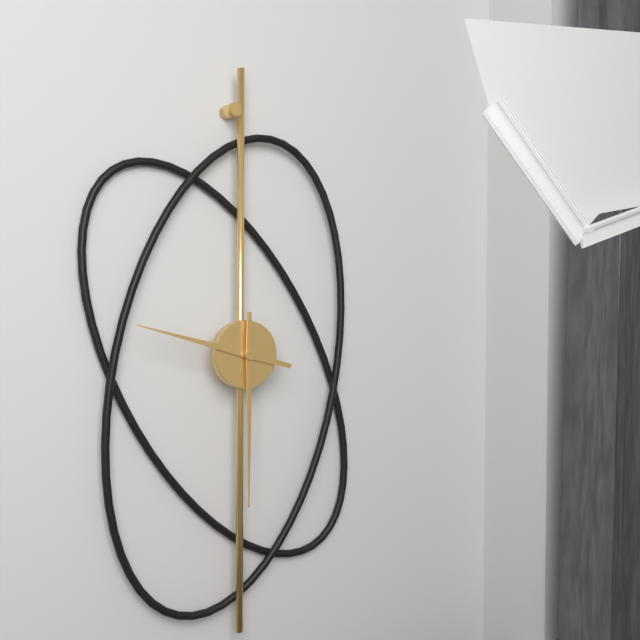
9:30
